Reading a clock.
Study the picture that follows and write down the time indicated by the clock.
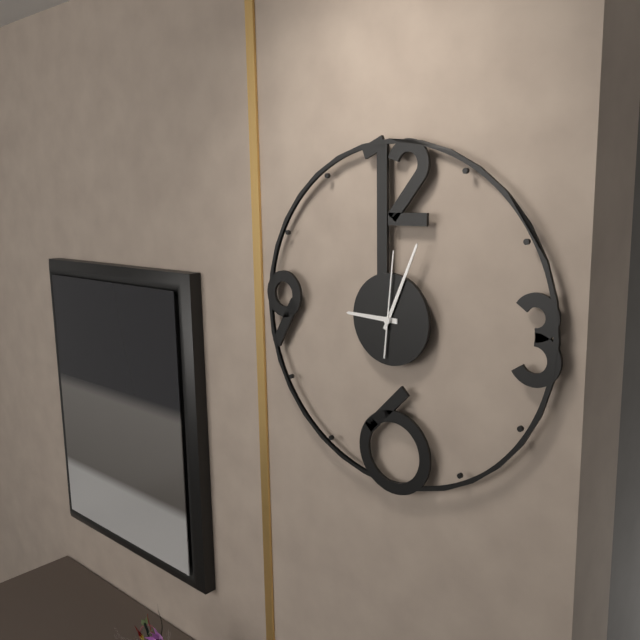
9:04:01
